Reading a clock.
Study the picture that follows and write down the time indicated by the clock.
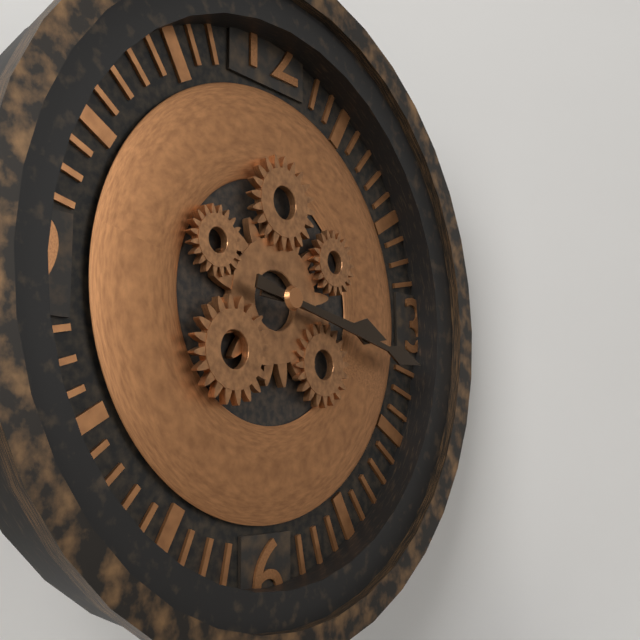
3:17
